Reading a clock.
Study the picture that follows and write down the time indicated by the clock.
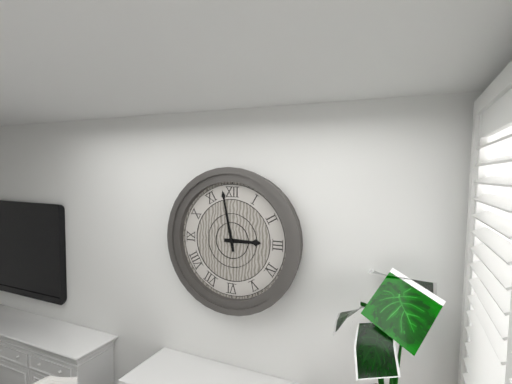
2:58
